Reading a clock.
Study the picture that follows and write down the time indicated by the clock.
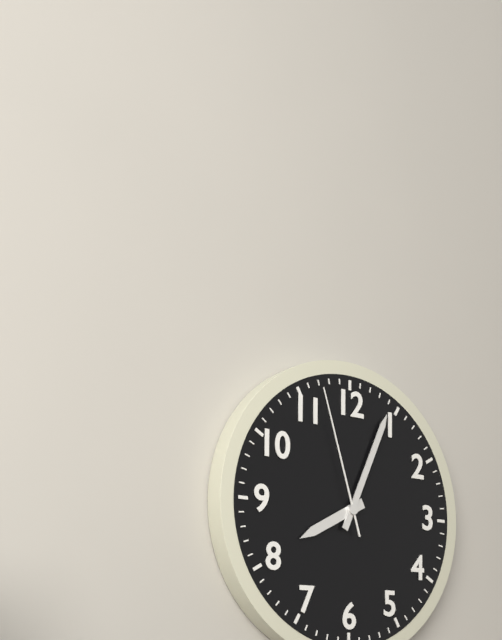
8:04:57
